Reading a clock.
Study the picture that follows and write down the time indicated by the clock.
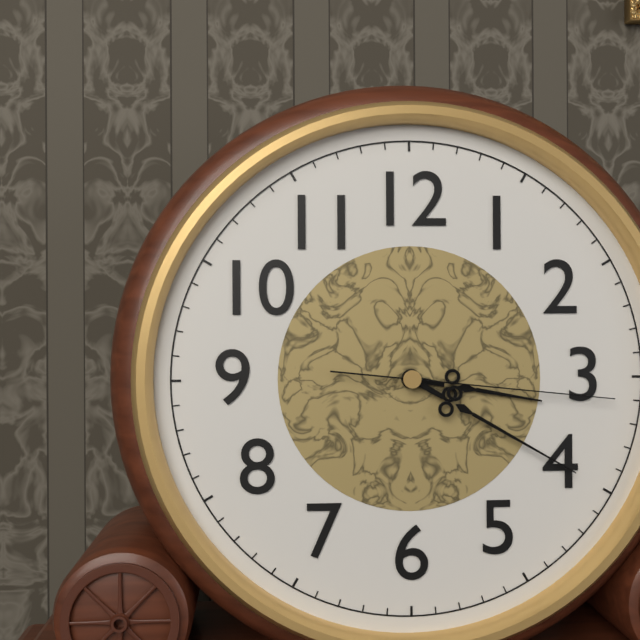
3:20:16
